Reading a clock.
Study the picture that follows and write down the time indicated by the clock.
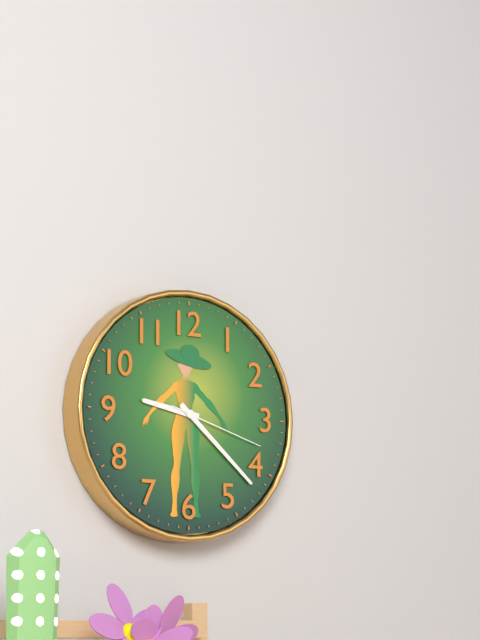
9:22:18
